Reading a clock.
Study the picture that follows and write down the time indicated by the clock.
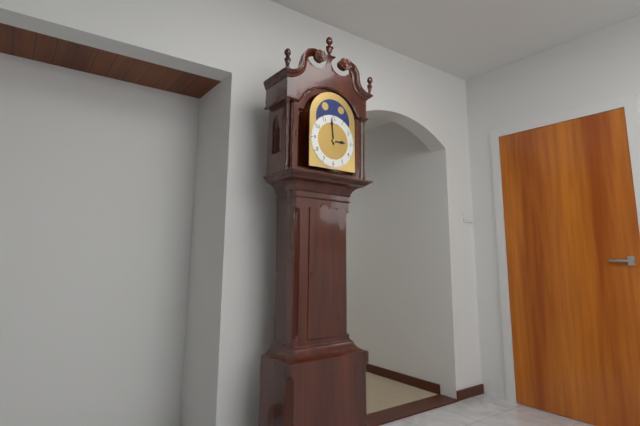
2:59
